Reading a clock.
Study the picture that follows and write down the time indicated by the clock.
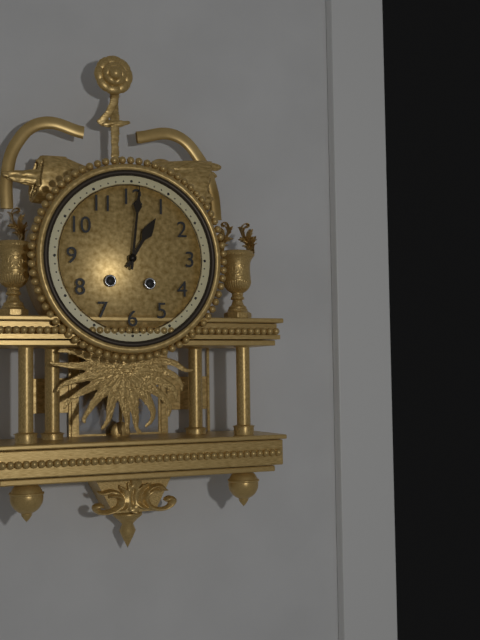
1:01
